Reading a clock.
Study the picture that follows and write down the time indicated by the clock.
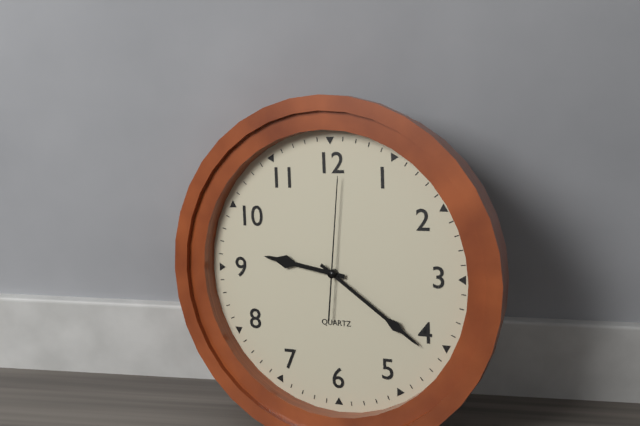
9:21:01
